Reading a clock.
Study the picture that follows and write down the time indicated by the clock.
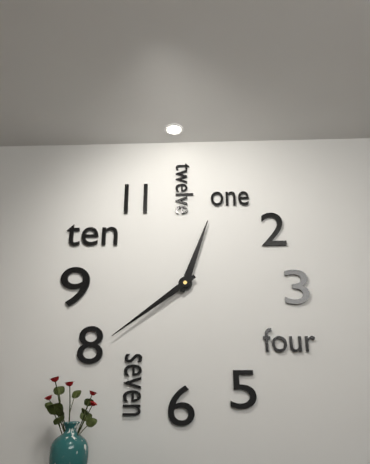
12:39
